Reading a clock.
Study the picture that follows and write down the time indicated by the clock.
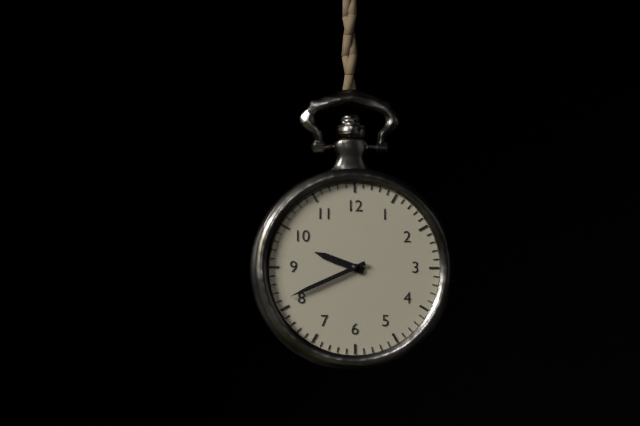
9:41
